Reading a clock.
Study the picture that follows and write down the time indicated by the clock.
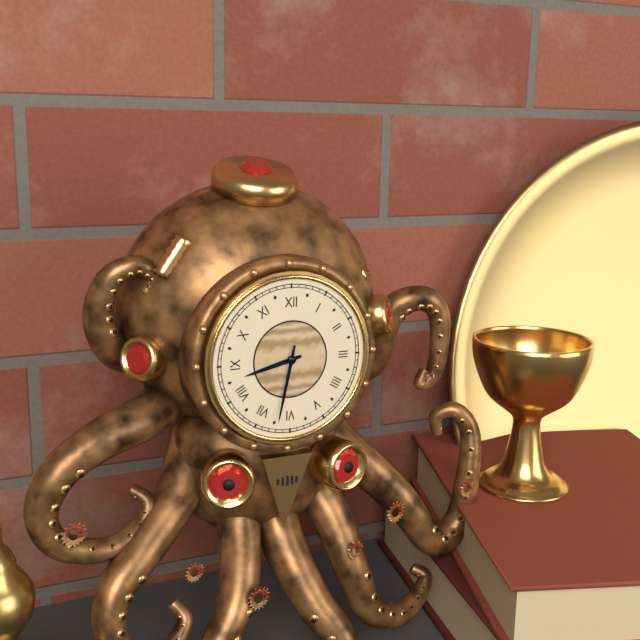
8:32
